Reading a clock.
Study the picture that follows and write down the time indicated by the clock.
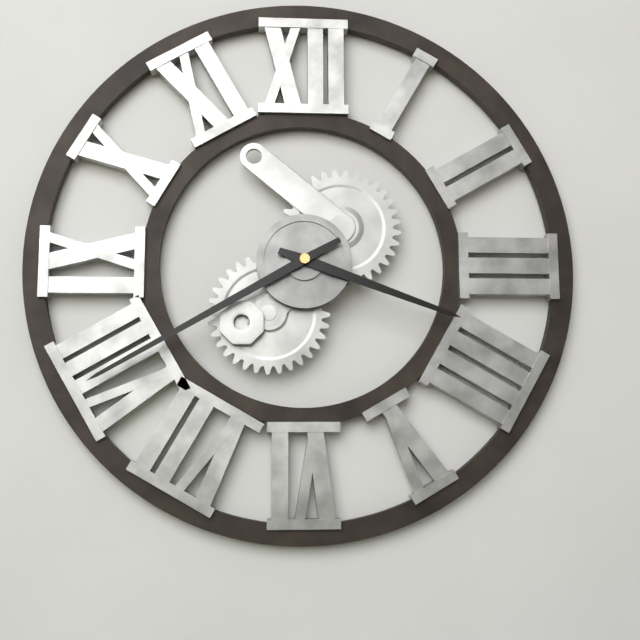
3:40
